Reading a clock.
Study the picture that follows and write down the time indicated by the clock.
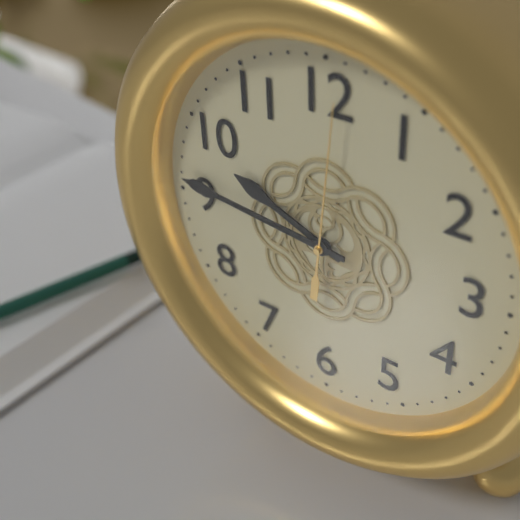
9:46:01
